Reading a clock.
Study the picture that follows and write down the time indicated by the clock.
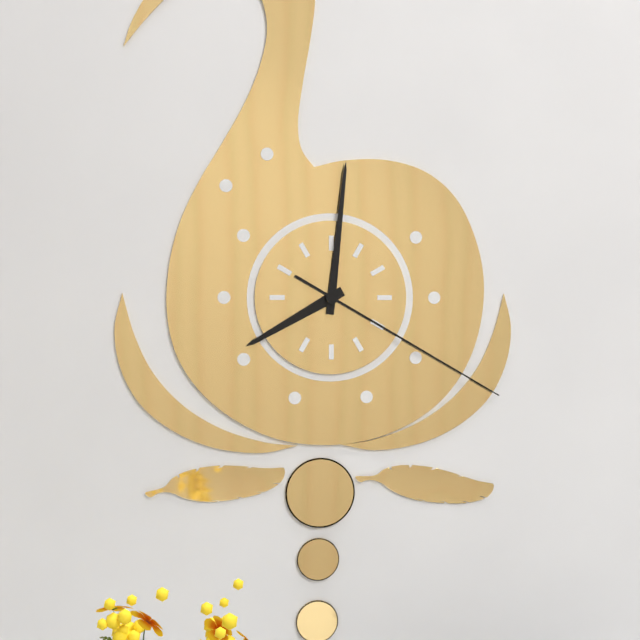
8:01:20
